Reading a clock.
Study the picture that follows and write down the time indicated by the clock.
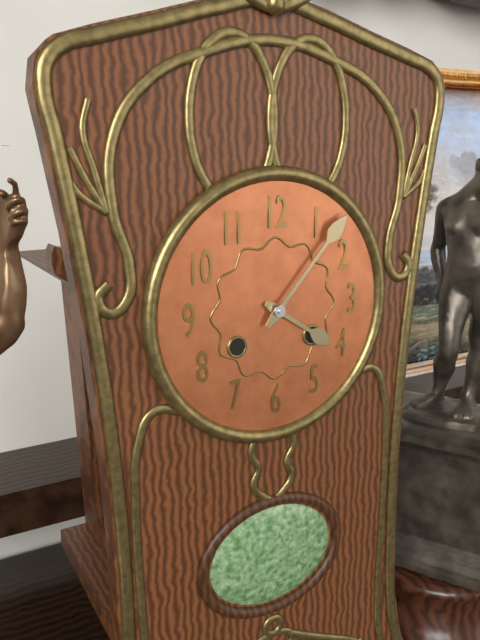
4:07
